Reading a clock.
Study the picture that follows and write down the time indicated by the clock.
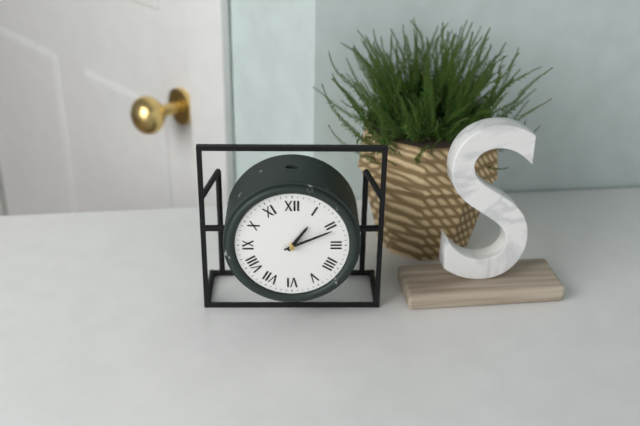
1:11
